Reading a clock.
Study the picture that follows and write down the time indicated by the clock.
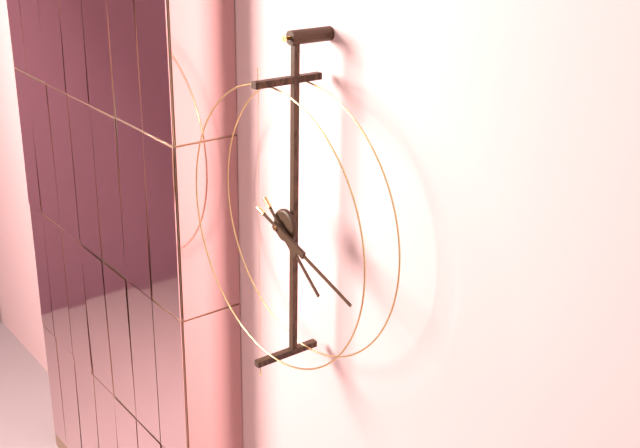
4:18
